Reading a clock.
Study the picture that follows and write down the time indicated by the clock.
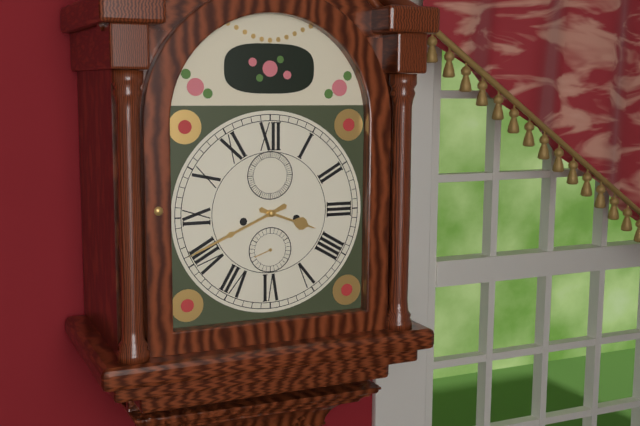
3:41
